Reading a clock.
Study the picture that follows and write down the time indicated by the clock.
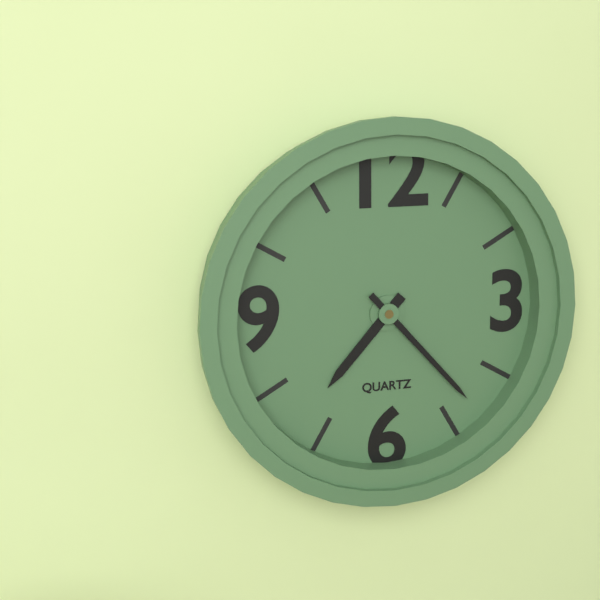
7:23
